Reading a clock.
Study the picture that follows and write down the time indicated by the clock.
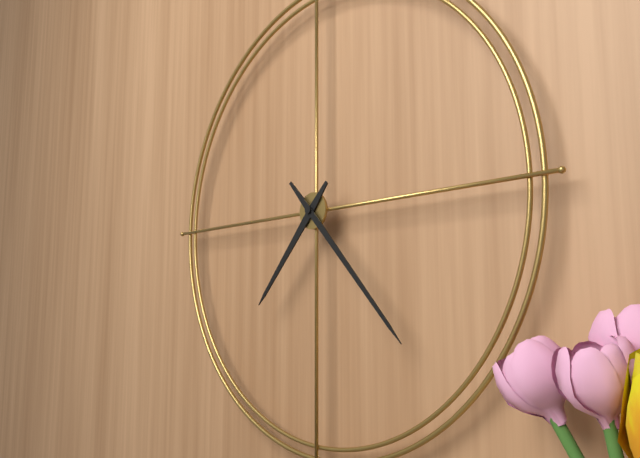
7:23
